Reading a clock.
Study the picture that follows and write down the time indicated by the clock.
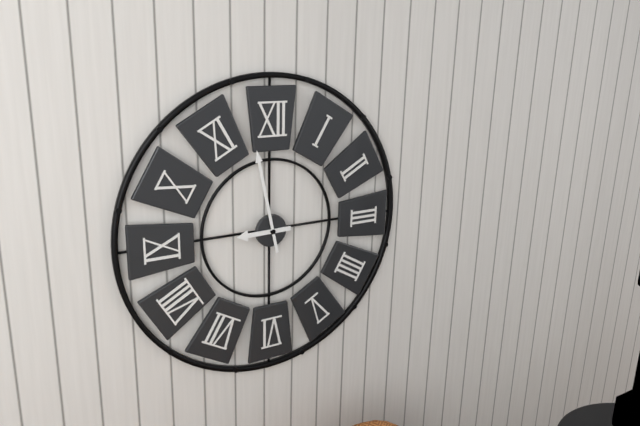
8:58
